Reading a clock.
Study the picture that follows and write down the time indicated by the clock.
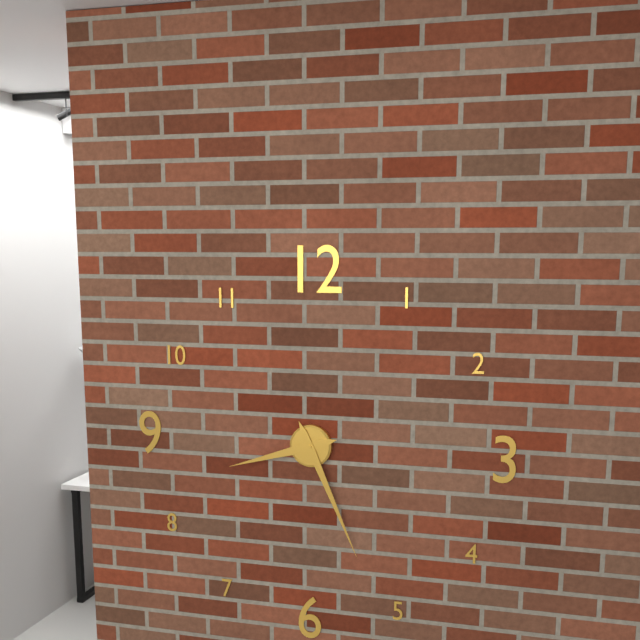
8:26
